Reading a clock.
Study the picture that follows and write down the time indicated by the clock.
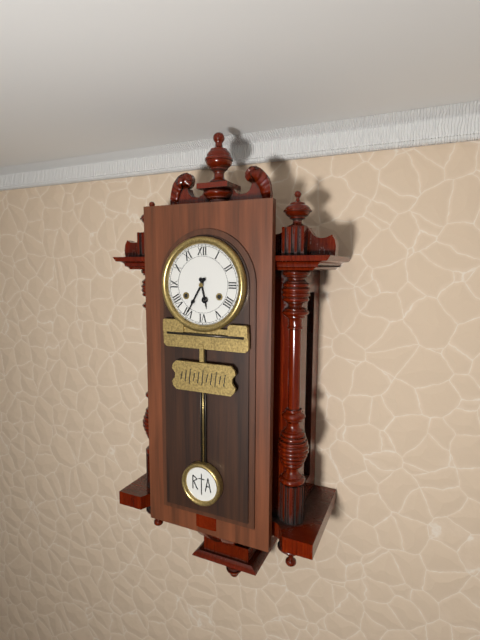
5:35
